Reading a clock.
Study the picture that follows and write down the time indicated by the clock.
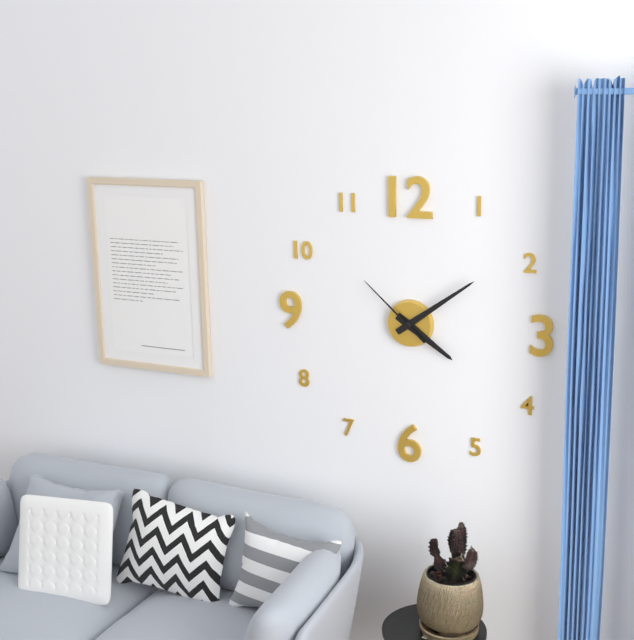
4:09:52
